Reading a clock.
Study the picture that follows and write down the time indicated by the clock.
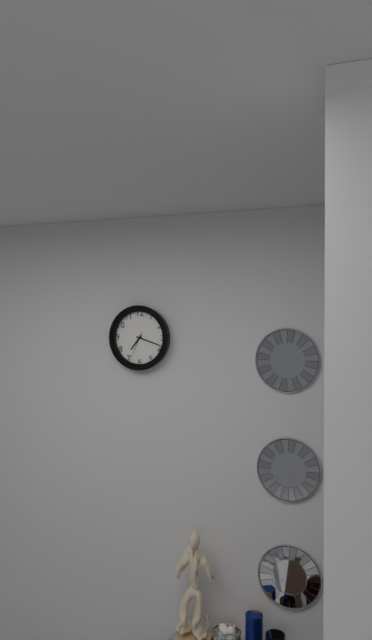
7:18
